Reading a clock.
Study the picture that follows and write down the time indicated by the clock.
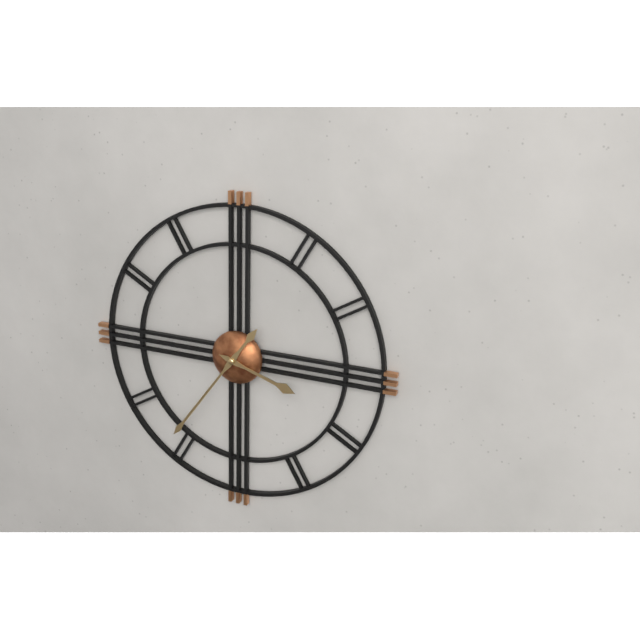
3:36
